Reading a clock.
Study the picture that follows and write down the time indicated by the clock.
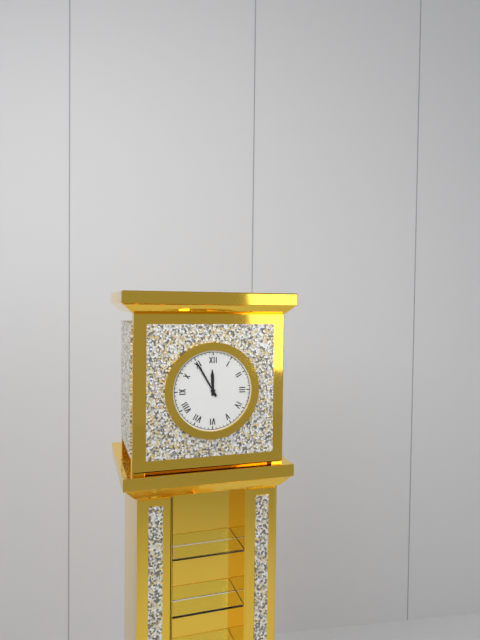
11:55
